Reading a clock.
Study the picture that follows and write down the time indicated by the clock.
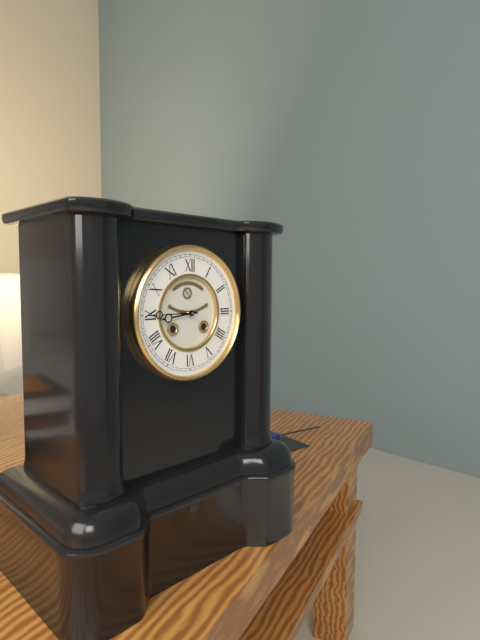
8:45
